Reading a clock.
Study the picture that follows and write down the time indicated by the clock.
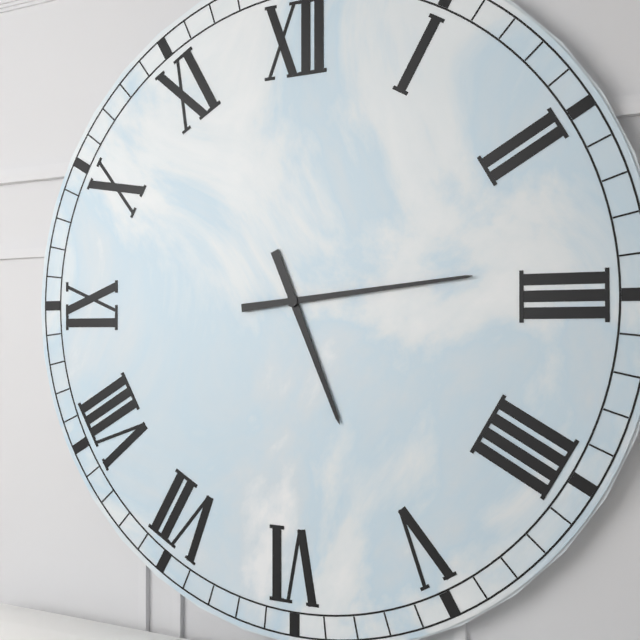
5:14
